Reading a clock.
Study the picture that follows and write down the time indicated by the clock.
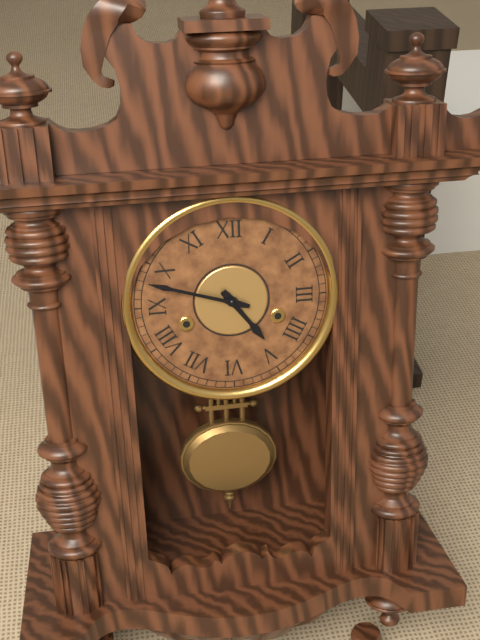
4:48
